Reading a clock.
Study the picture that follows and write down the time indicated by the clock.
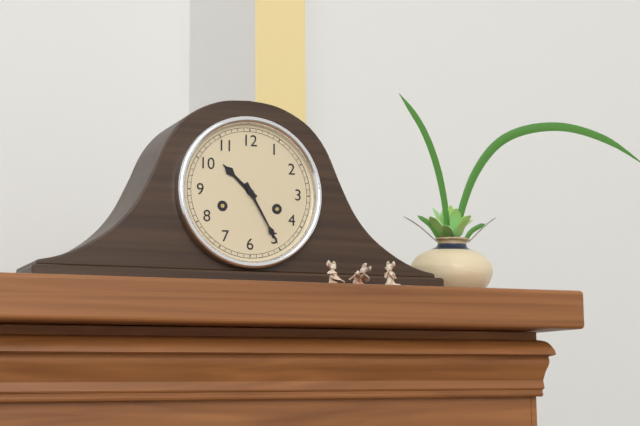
10:25
